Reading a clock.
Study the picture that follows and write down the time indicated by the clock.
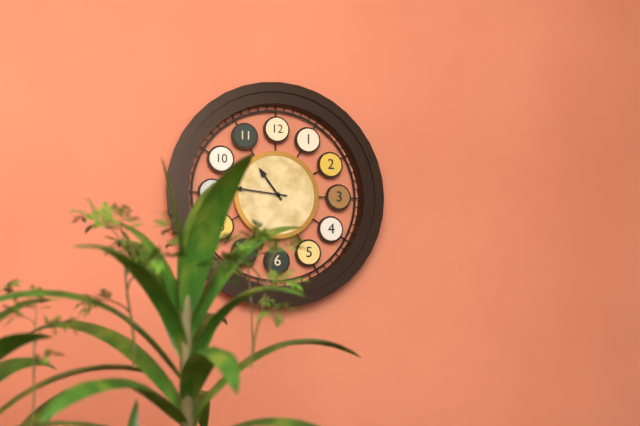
10:46
